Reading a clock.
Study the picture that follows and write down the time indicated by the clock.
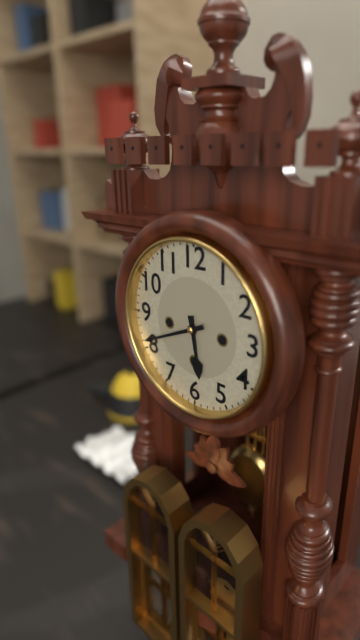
5:41
